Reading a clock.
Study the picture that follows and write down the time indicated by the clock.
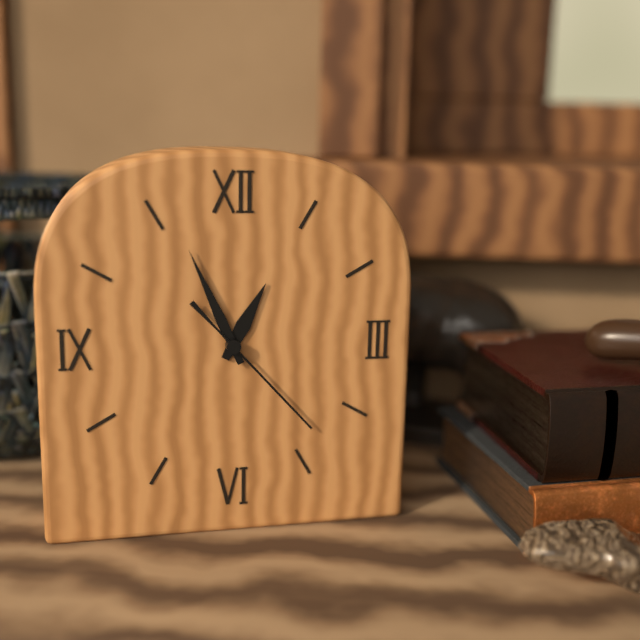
12:56:23
